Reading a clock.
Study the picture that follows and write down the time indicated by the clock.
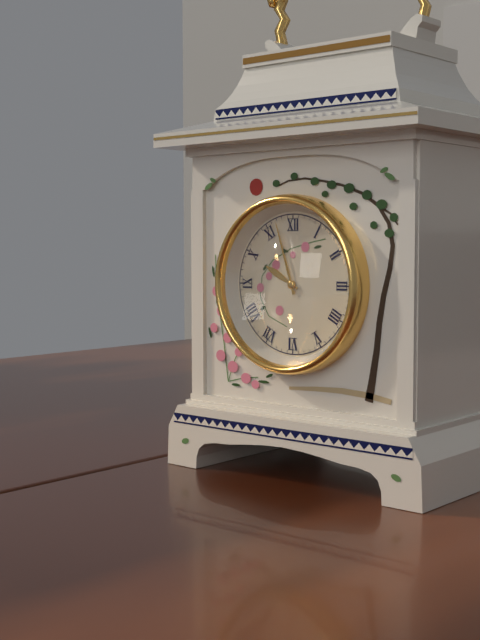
9:57
